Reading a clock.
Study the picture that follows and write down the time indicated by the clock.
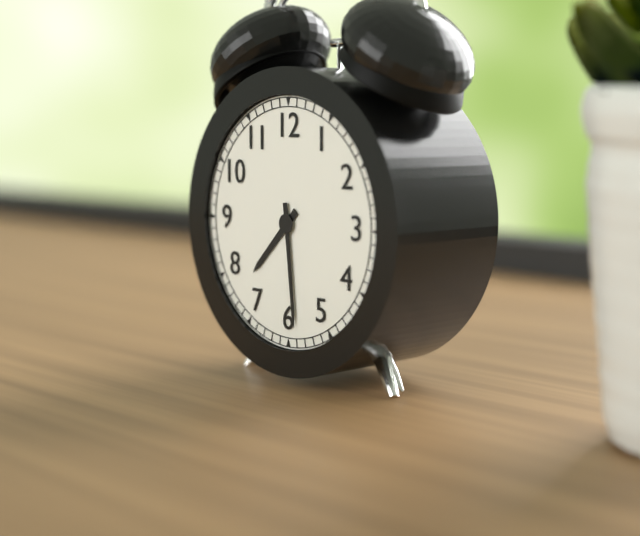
7:29
